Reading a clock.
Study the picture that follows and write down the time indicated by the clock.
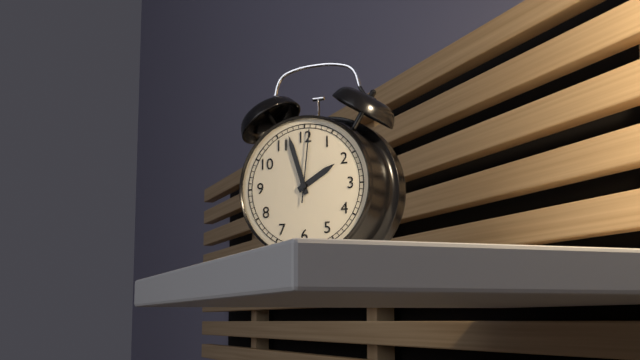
1:57:01
